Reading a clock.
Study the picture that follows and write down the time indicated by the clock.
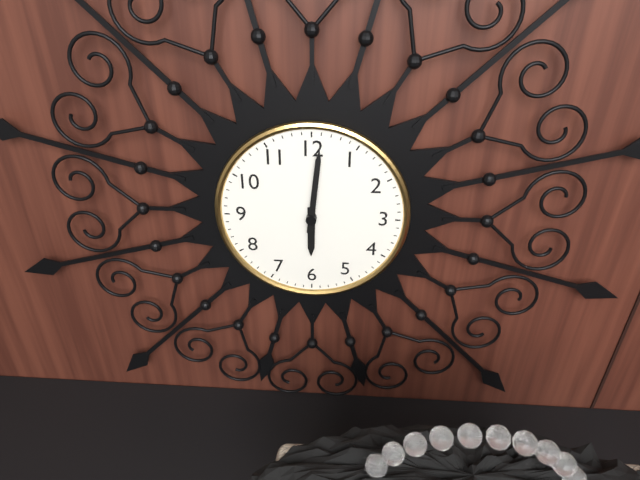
6:01
